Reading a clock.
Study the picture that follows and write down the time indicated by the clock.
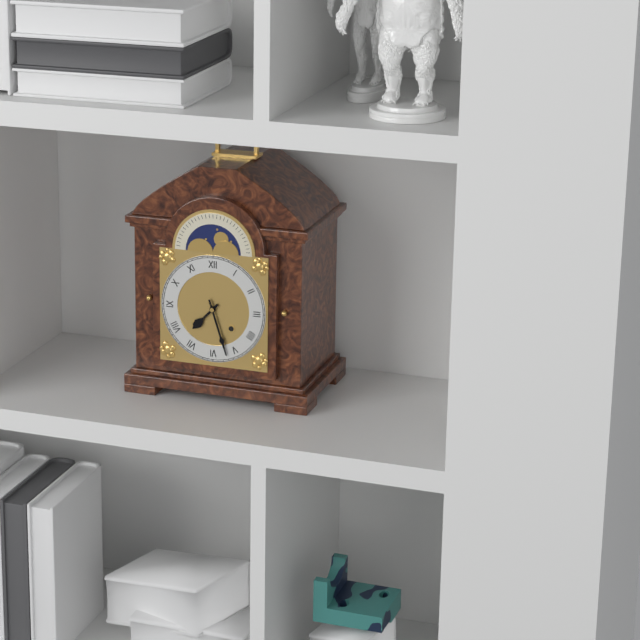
7:27
